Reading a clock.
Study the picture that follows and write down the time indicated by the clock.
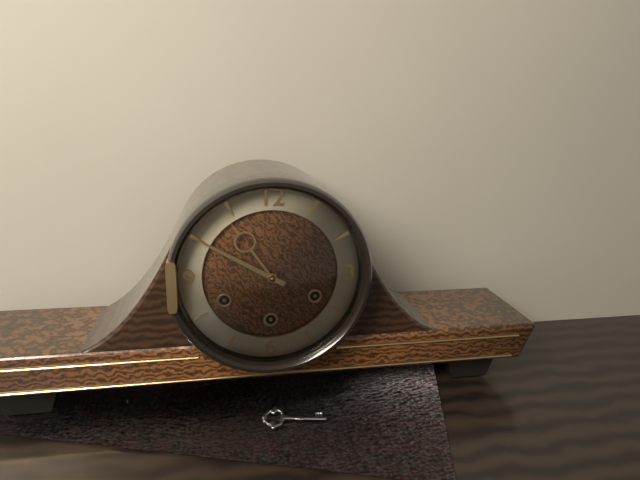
10:50
